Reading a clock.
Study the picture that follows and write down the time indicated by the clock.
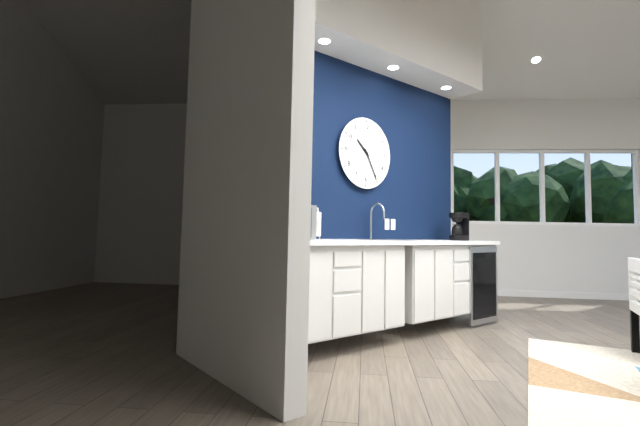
10:25
